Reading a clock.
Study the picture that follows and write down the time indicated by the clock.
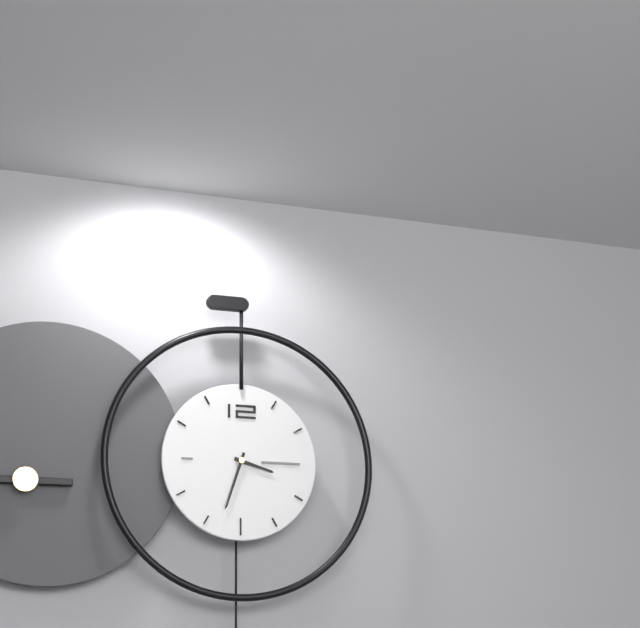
3:33
